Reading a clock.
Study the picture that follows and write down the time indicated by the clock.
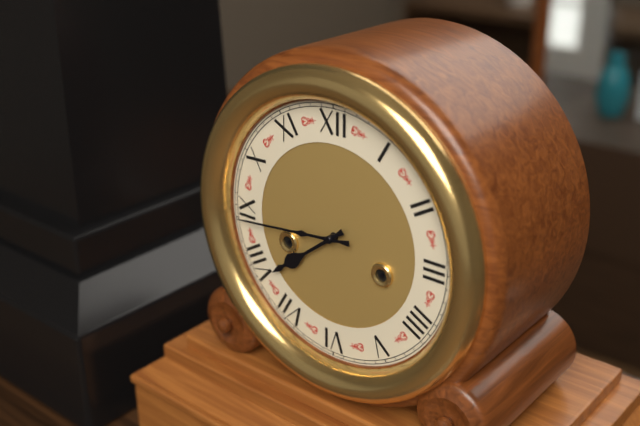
7:44
